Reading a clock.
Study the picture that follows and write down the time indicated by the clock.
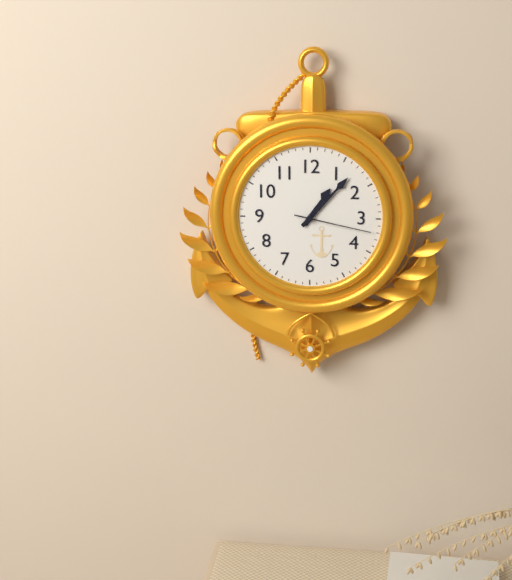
1:07:17
